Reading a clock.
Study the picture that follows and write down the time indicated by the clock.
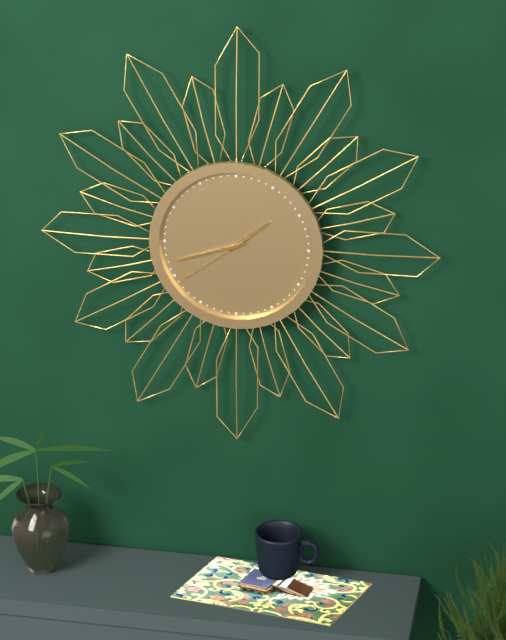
1:42:39
